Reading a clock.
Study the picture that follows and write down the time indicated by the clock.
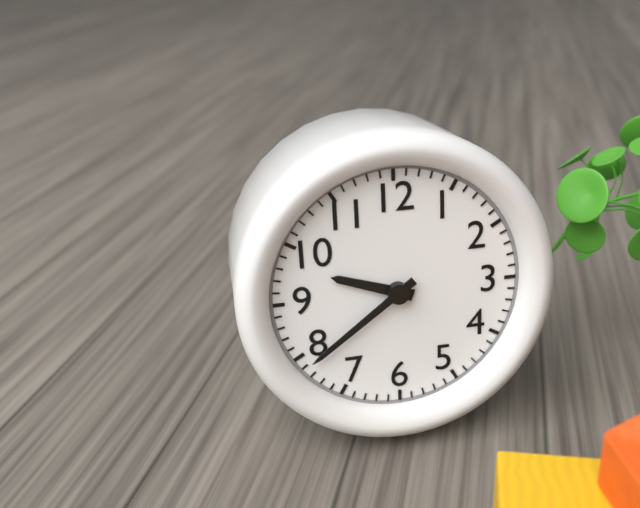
9:39
